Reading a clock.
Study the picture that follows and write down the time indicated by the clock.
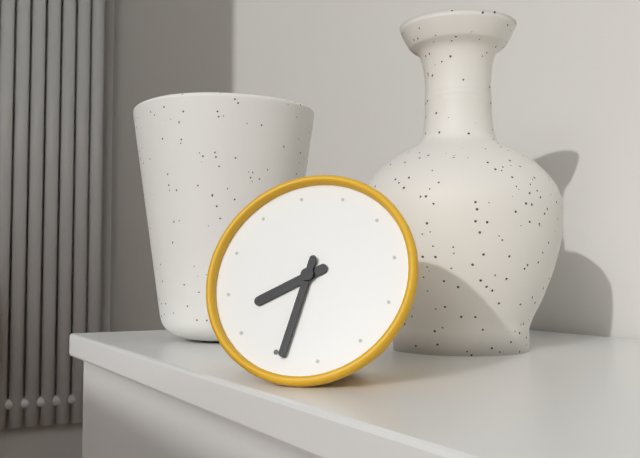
7:29
